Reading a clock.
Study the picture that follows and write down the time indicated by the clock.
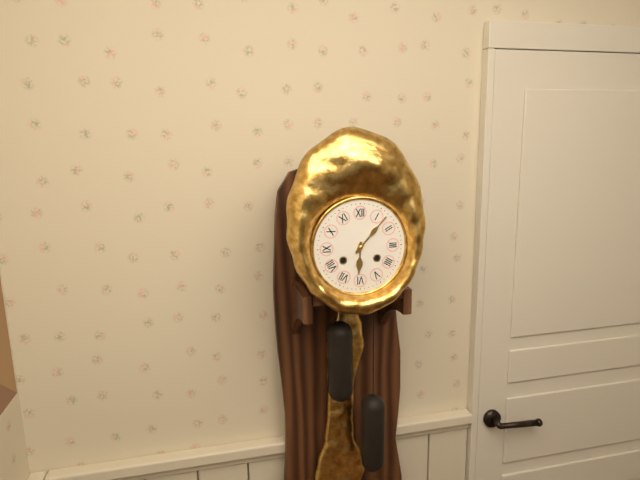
6:07
